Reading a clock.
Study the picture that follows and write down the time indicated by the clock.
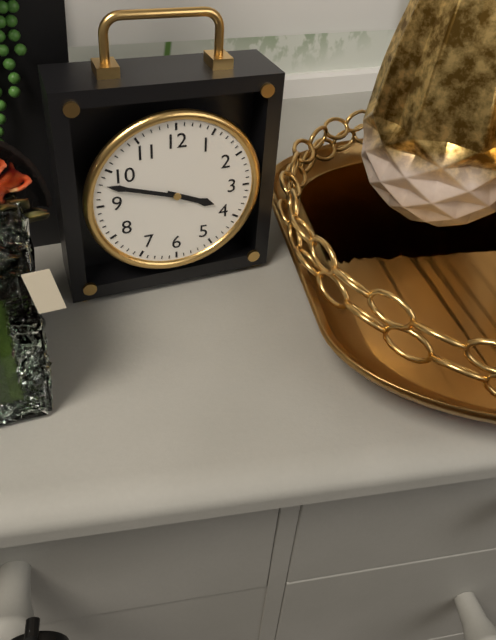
3:48
